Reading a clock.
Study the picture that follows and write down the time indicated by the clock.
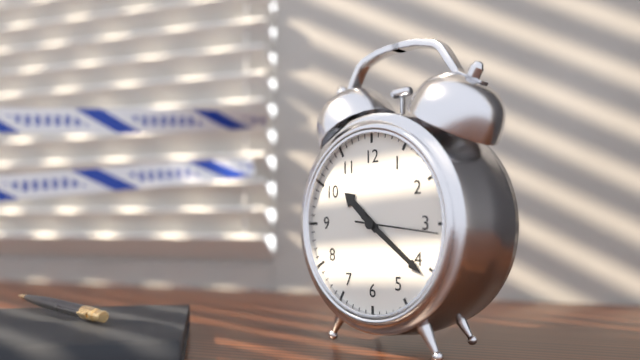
10:21:16
